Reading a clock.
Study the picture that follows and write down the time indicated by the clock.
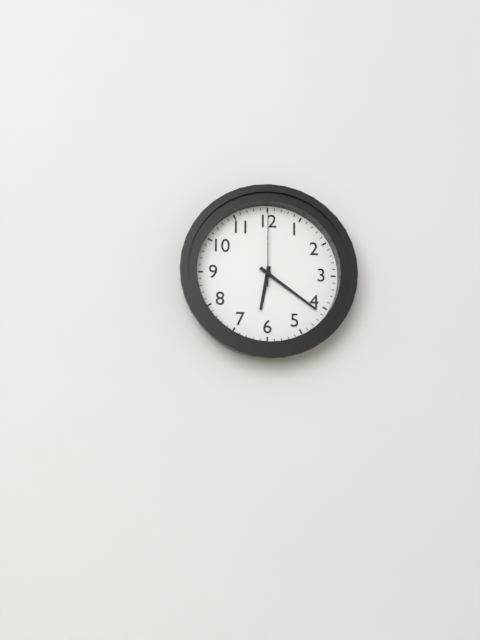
6:21:00
